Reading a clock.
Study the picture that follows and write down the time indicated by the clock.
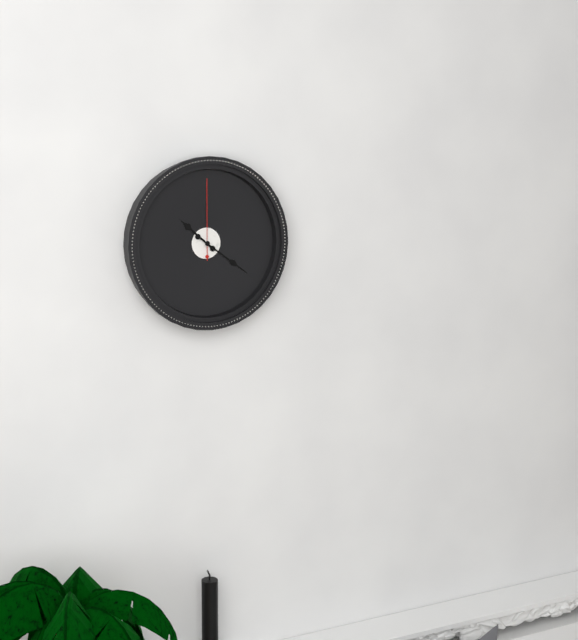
10:21:00
